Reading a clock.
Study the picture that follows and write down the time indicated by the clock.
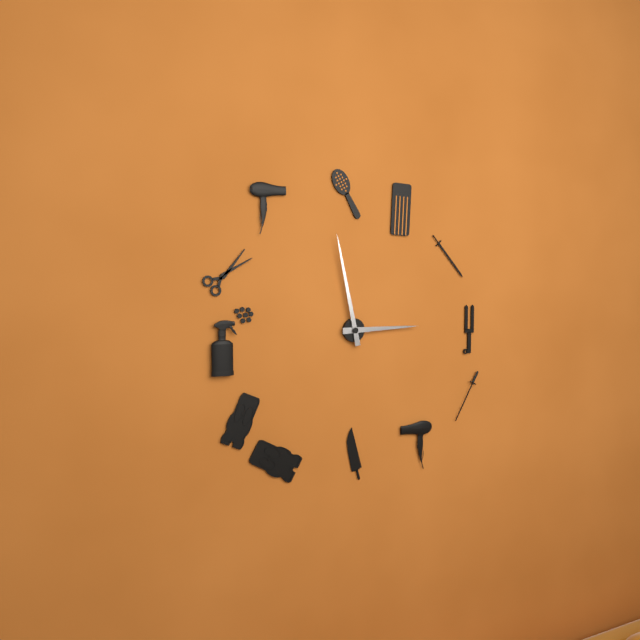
2:58
